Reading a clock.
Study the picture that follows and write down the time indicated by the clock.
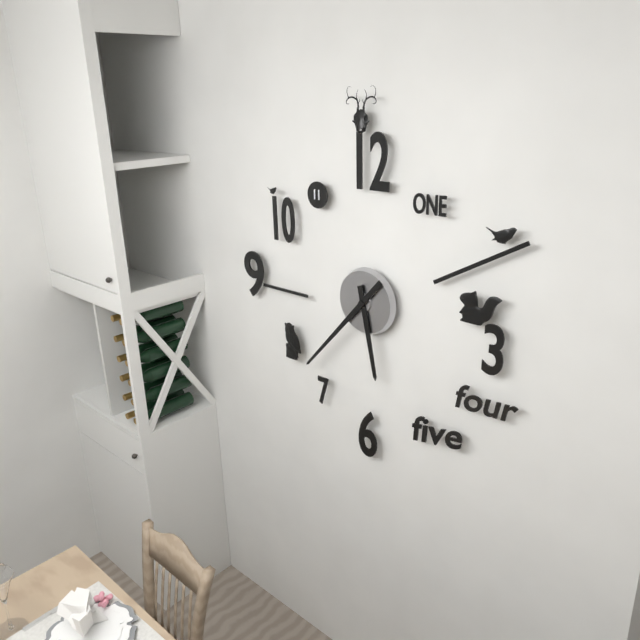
5:37
